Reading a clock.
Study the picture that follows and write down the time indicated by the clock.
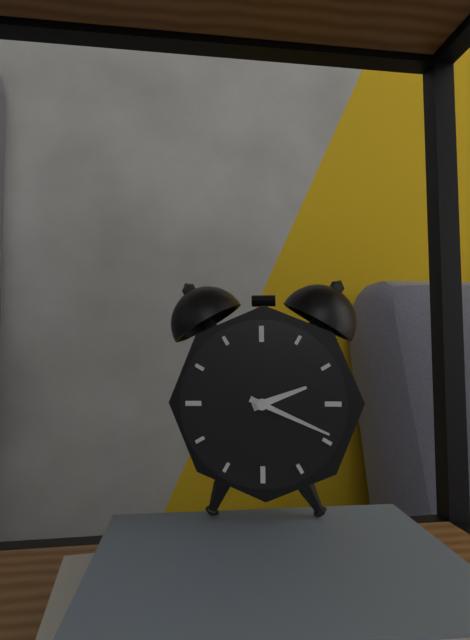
2:19
